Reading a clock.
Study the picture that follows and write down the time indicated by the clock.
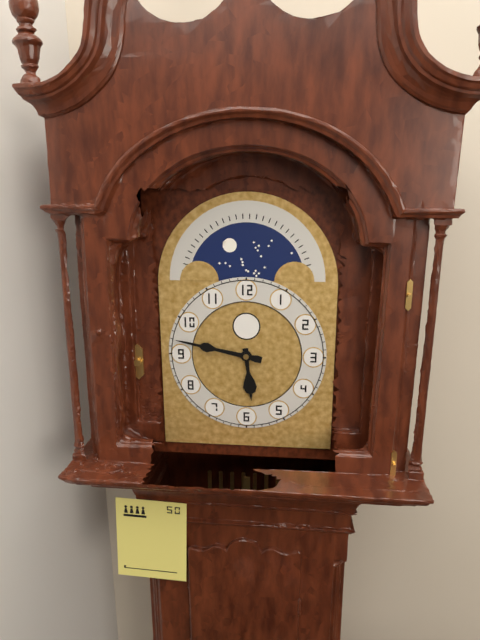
5:47
